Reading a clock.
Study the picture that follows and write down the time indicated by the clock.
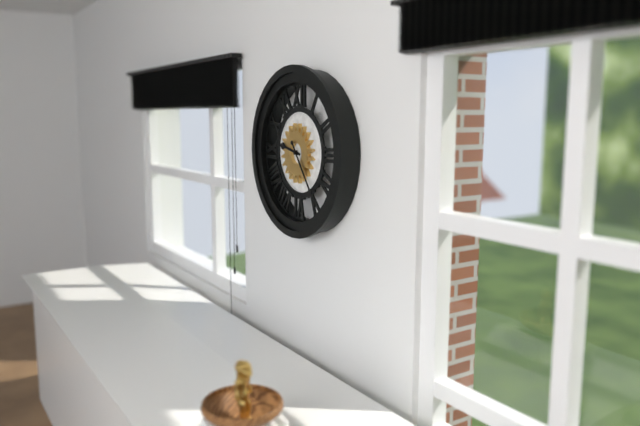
9:24
